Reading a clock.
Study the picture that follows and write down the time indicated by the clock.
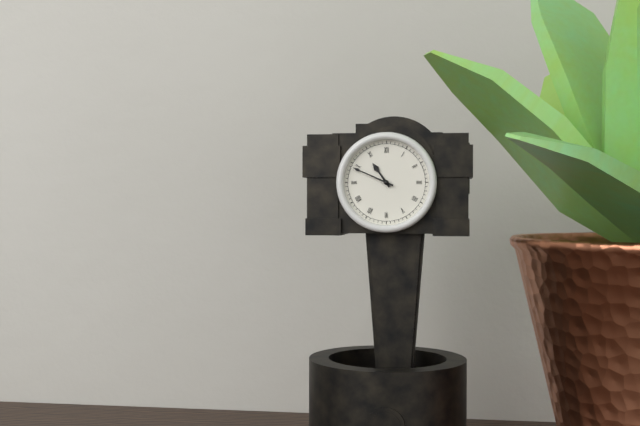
10:49
